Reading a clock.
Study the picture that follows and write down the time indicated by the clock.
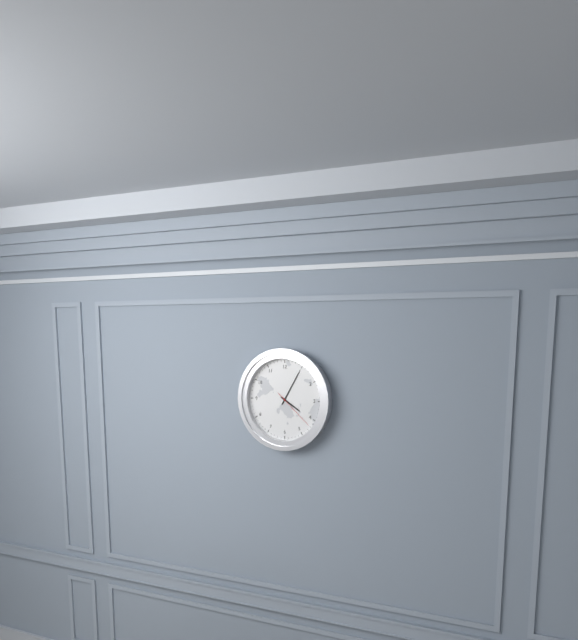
4:05
